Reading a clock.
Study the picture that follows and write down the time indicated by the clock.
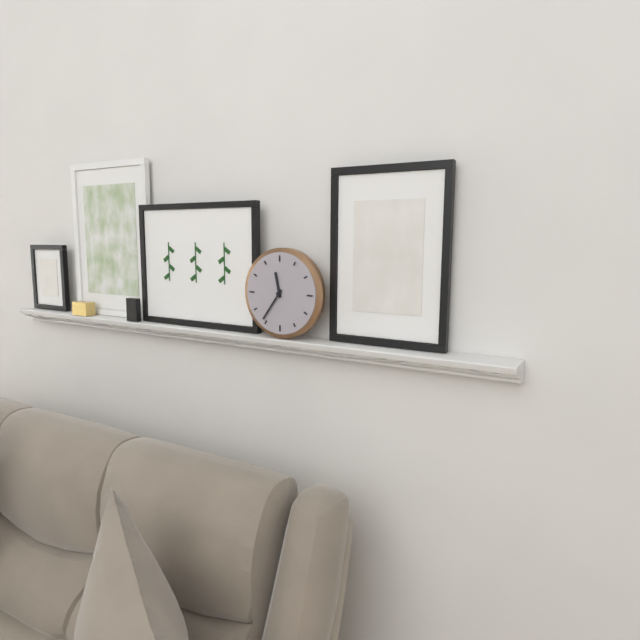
11:36
